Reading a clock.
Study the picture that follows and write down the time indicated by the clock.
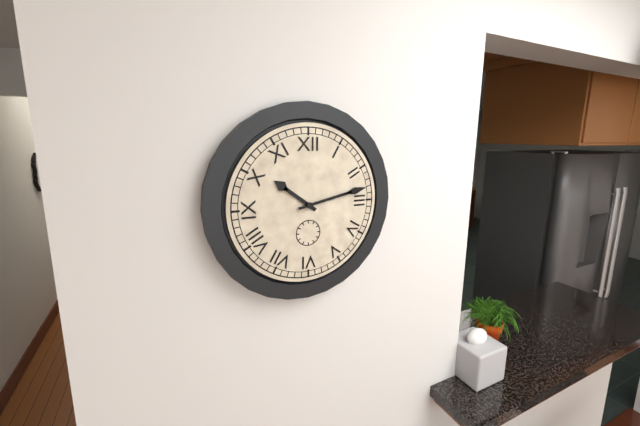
10:13
